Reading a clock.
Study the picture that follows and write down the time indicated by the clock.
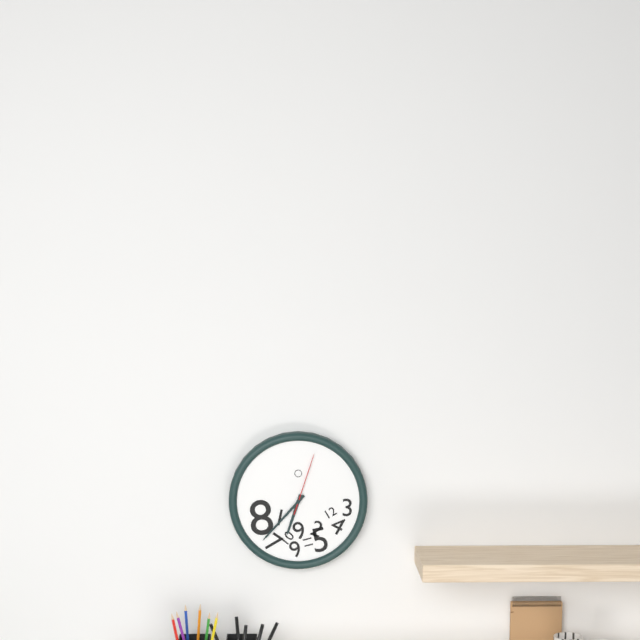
6:37:03
